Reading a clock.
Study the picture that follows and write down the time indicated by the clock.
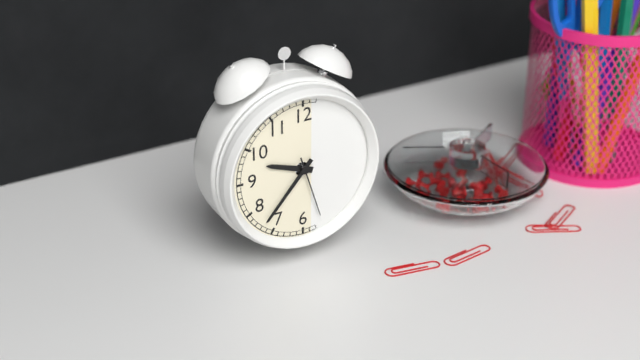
9:37:27
